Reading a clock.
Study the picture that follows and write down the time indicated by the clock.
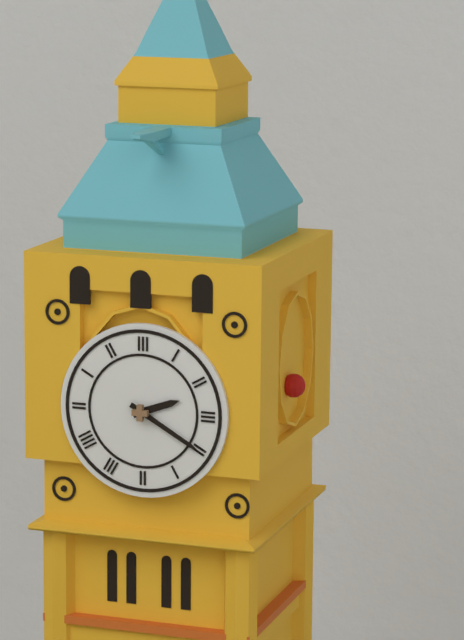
2:20
